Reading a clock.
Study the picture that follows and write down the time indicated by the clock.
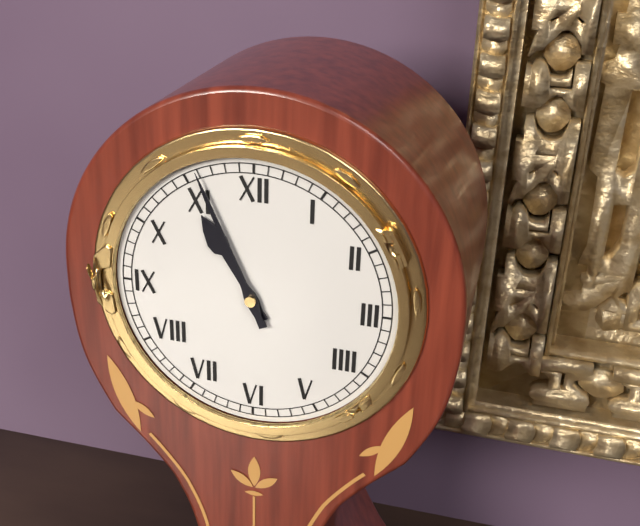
10:56
